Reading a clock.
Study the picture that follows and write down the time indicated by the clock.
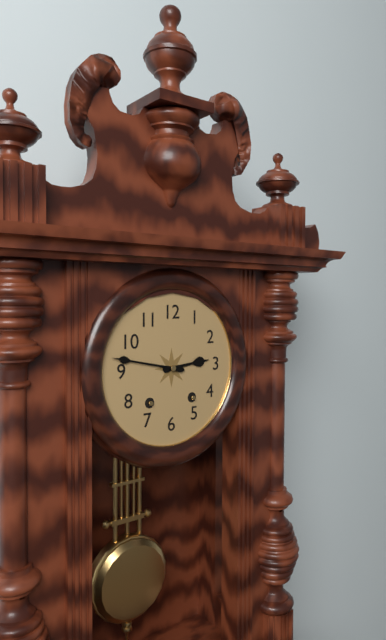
2:47
